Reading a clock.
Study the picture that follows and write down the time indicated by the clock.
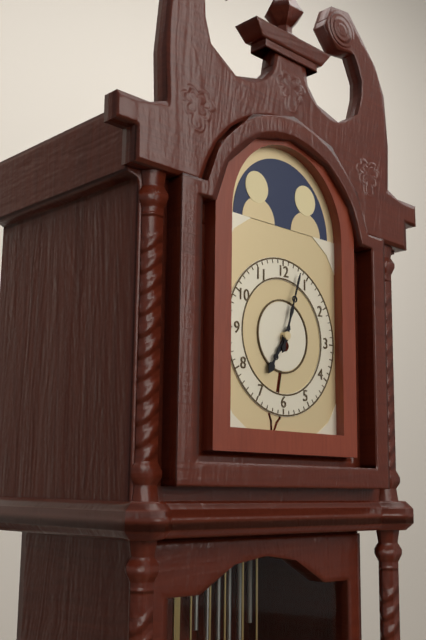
7:03
